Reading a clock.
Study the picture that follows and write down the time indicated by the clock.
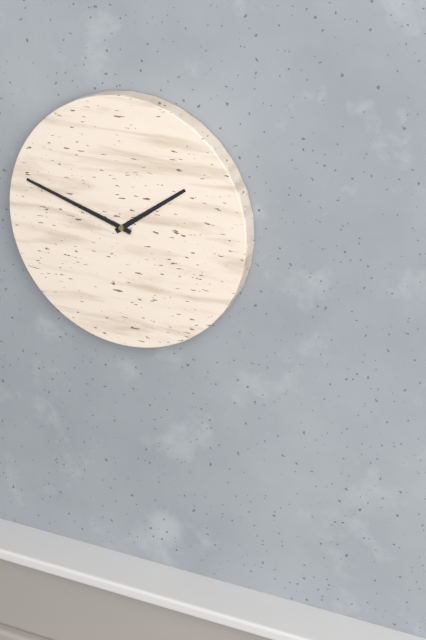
1:48
